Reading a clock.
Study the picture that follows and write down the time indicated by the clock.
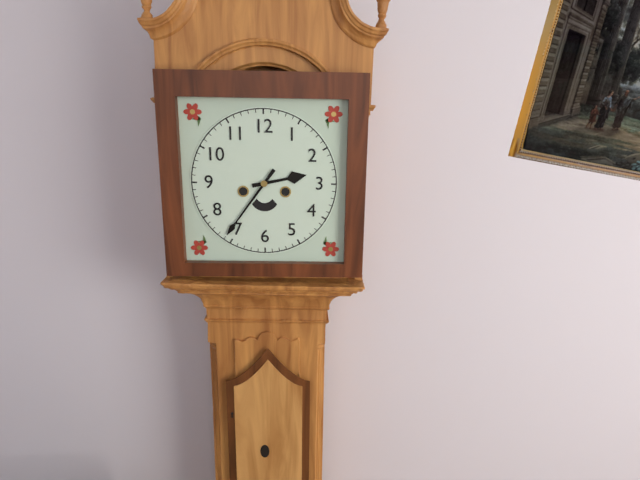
2:36
